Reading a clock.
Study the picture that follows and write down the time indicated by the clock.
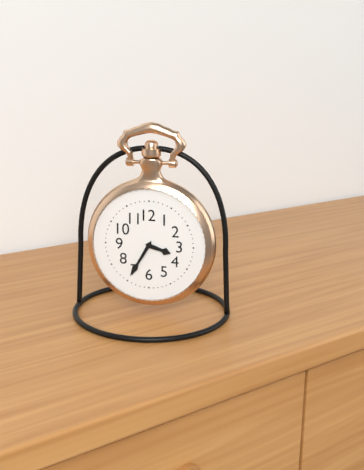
3:35
